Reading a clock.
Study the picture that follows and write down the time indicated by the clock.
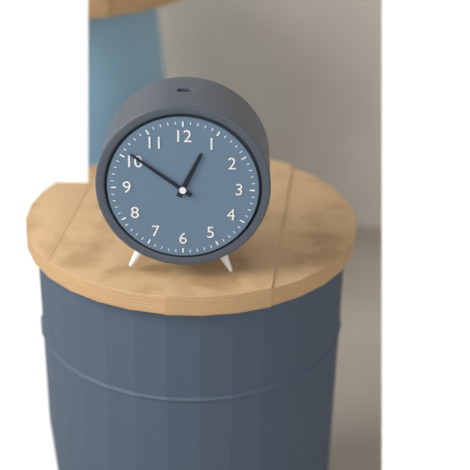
12:51
